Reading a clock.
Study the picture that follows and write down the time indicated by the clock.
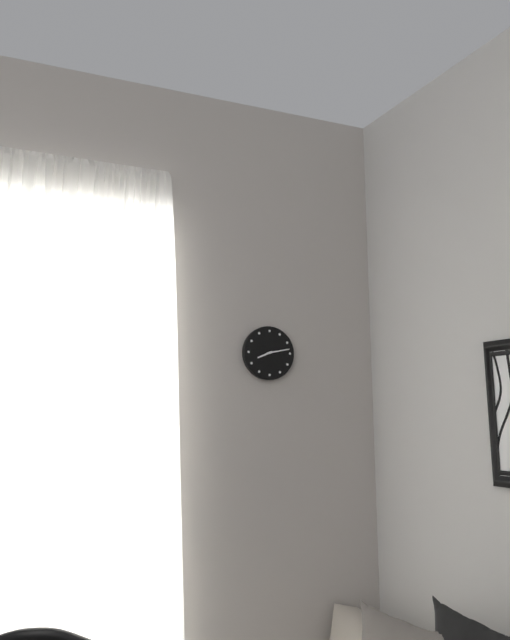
8:13
